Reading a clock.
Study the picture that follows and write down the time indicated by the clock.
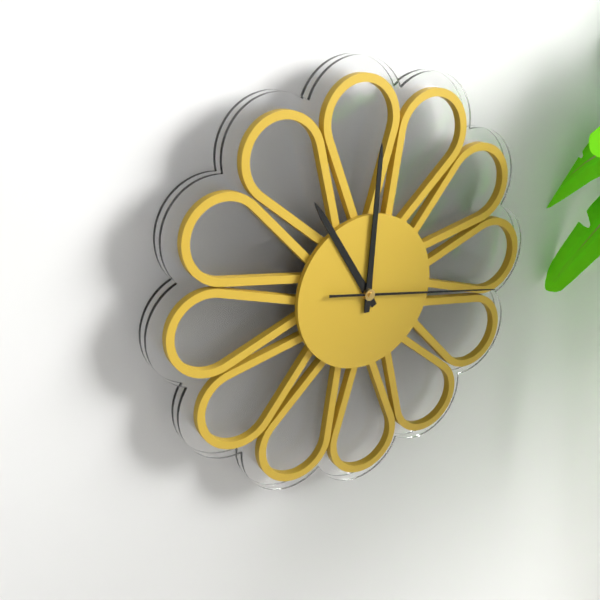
11:01:17
